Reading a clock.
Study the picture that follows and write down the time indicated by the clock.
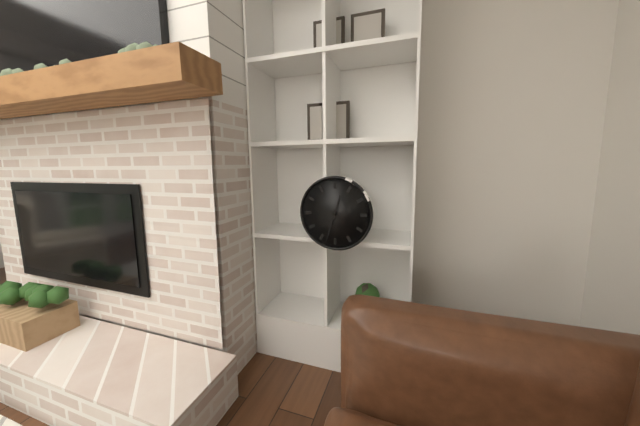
12:33
